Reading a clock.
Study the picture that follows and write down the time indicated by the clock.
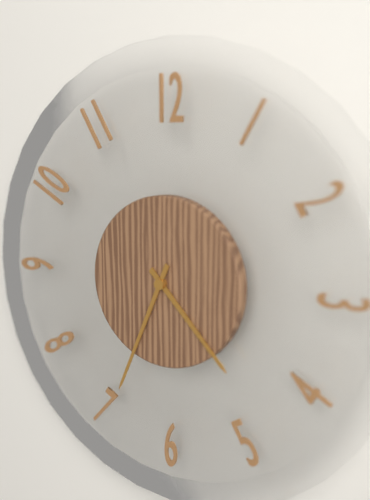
4:34
